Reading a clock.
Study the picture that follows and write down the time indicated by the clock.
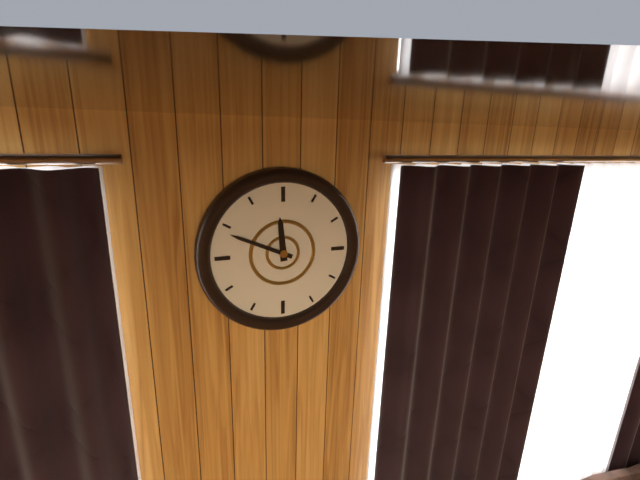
11:49
